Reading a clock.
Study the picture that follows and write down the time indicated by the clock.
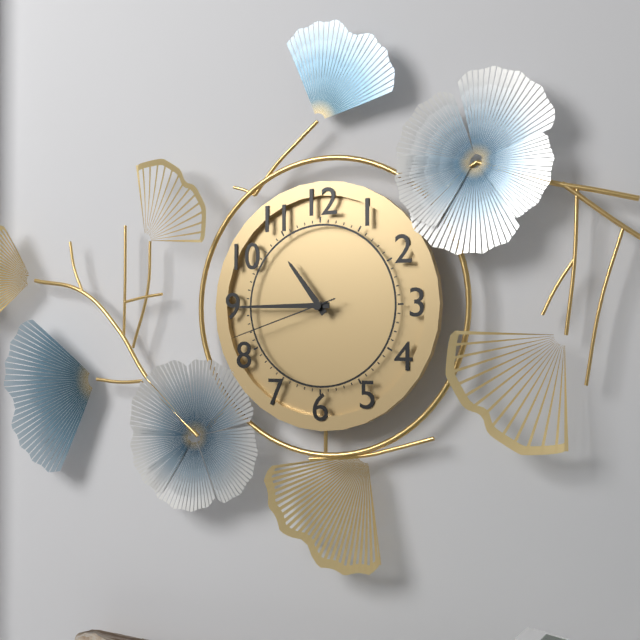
10:45:42
